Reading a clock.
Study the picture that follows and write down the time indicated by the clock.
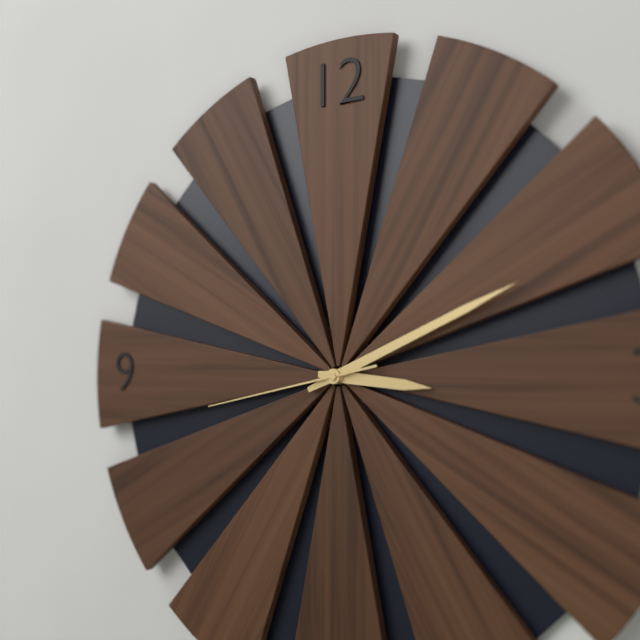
3:11:43
